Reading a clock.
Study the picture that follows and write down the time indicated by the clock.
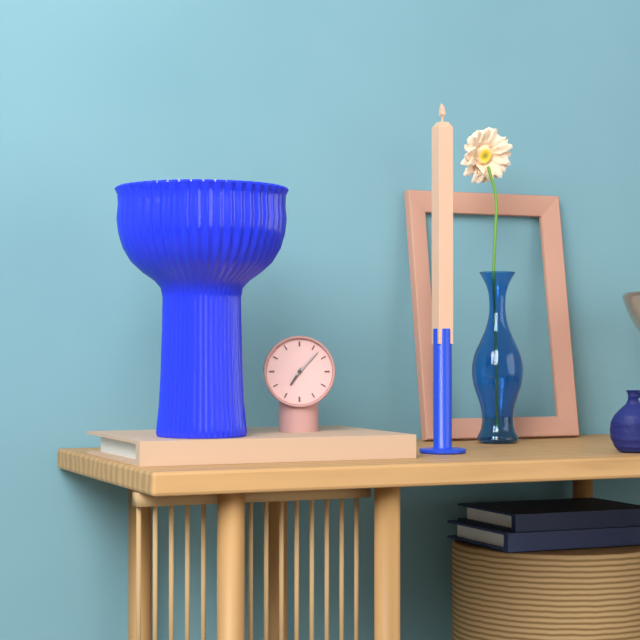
7:07
